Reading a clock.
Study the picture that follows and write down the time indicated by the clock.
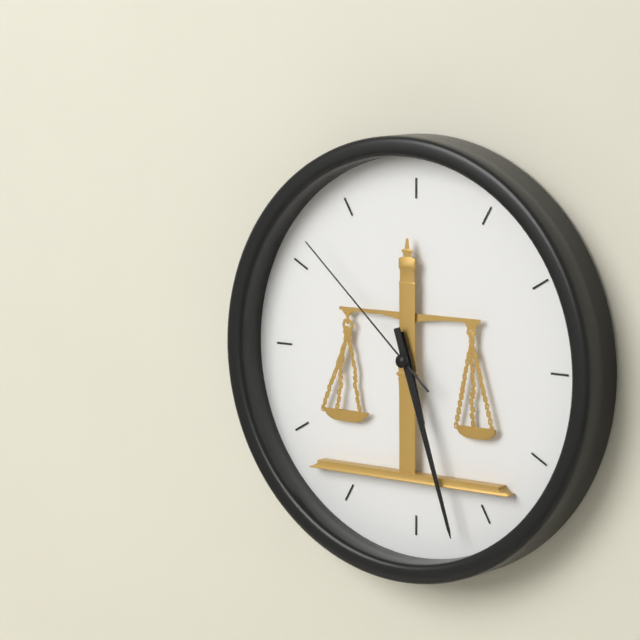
5:27:52
